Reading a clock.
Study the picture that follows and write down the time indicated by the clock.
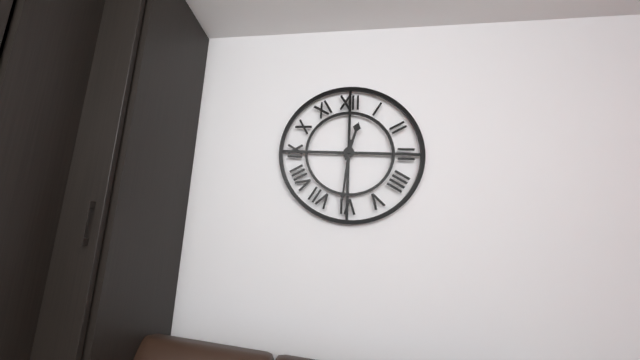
12:31
